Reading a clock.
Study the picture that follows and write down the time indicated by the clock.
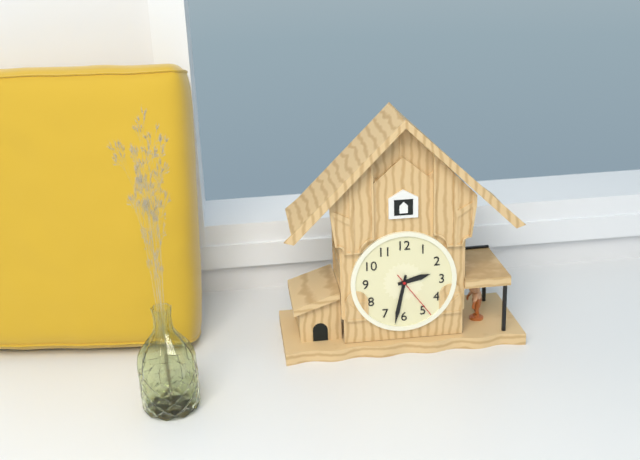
2:32:24
